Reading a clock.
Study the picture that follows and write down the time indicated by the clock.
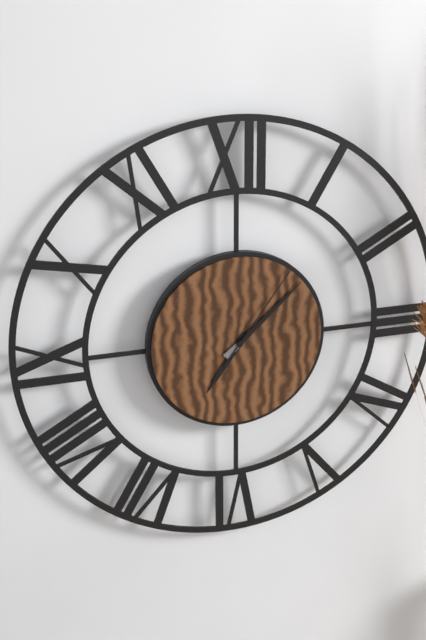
7:08:06
